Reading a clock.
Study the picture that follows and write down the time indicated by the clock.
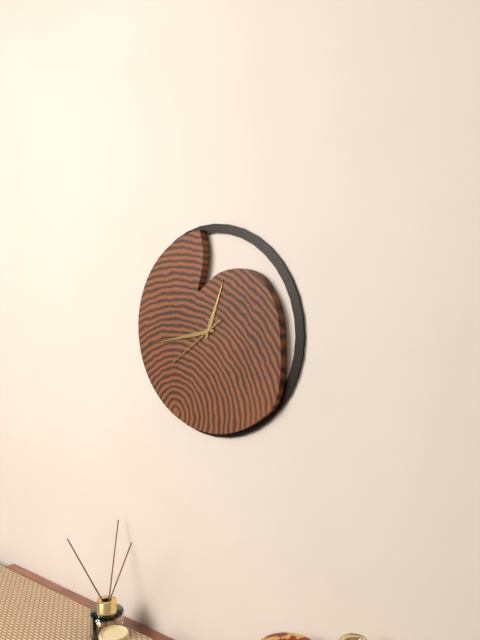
12:43:39
